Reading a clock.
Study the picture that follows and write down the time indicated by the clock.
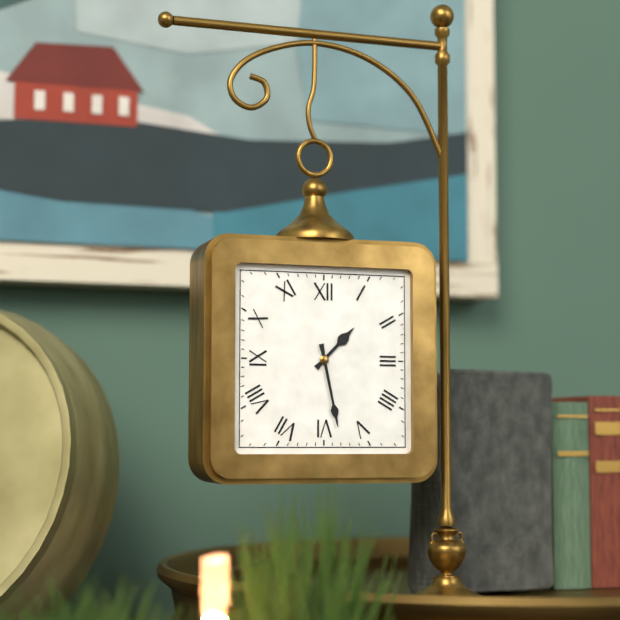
1:28
